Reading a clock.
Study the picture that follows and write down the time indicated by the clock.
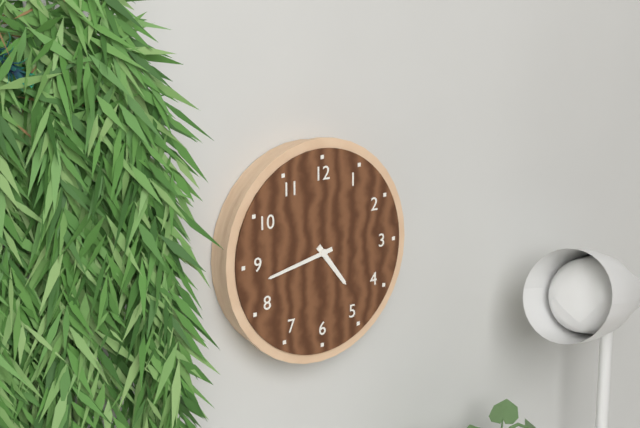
4:43
